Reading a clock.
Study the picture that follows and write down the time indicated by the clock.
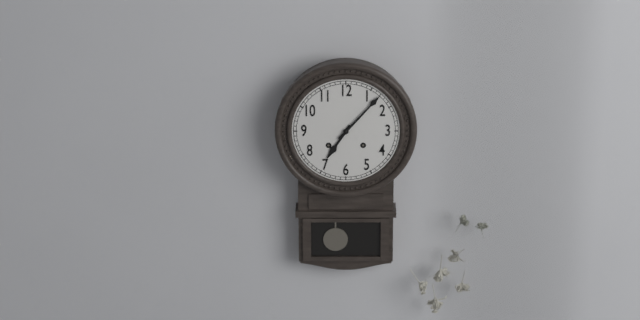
7:07
